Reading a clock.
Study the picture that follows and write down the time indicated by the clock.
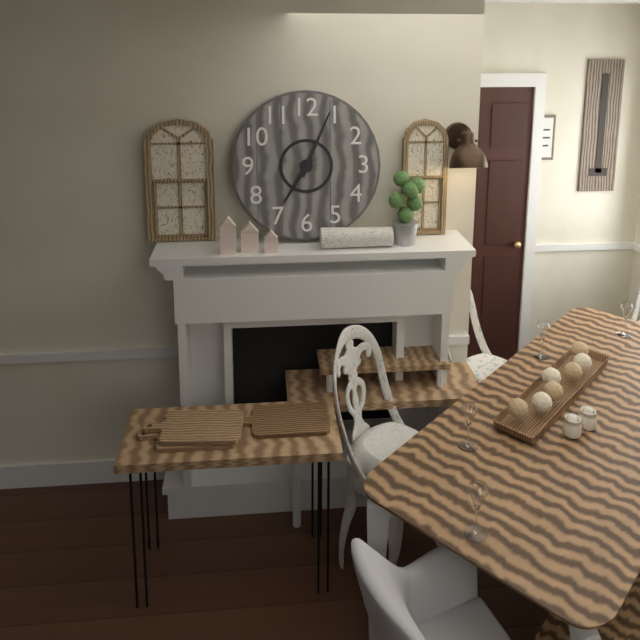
7:04
